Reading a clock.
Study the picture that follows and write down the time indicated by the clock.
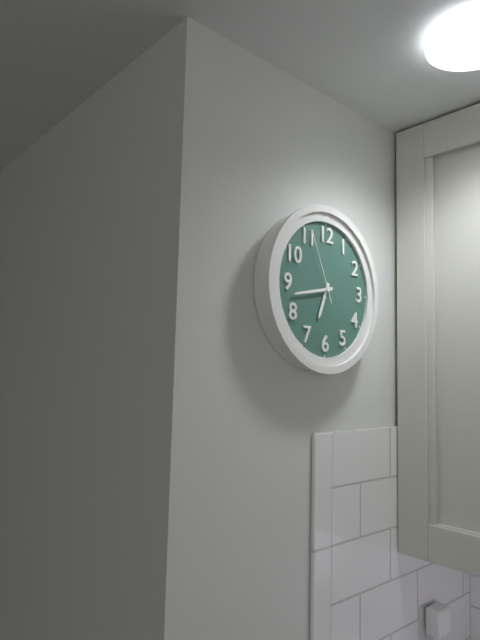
6:43:56
